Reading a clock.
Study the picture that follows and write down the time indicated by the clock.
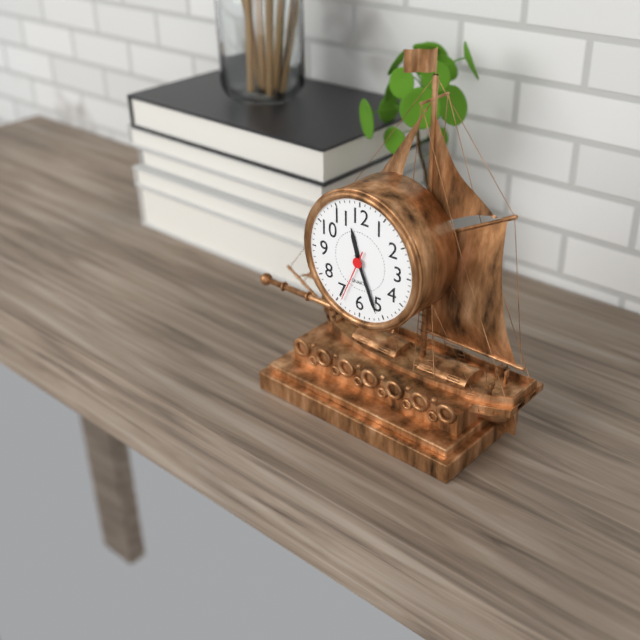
11:26:34
